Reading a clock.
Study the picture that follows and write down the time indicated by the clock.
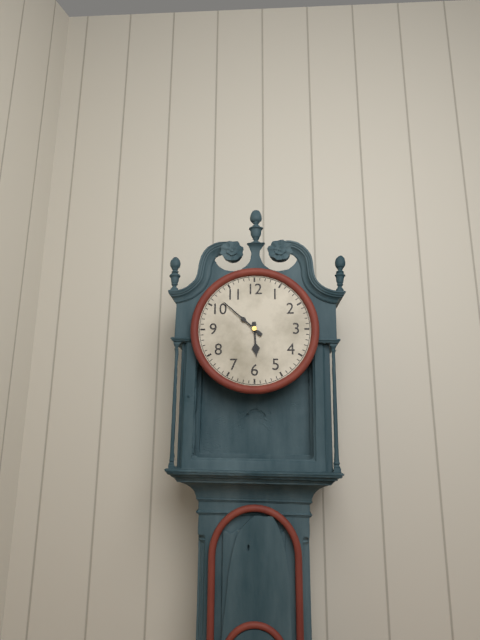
5:52
